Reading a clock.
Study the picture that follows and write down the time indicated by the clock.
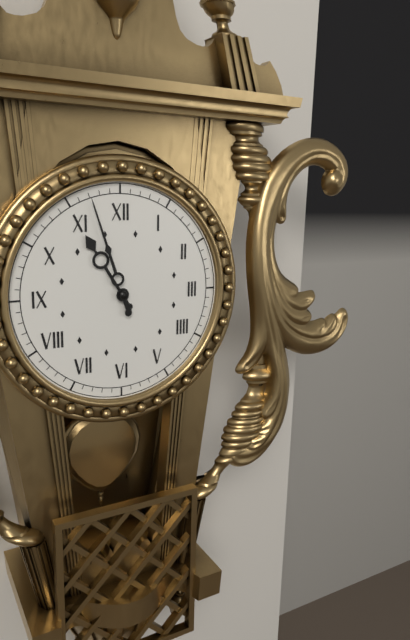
10:57
